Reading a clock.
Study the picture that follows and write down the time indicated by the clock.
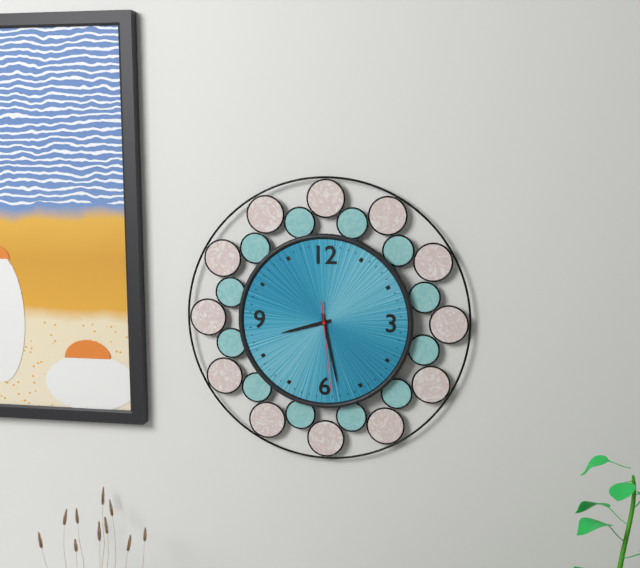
8:28:29
